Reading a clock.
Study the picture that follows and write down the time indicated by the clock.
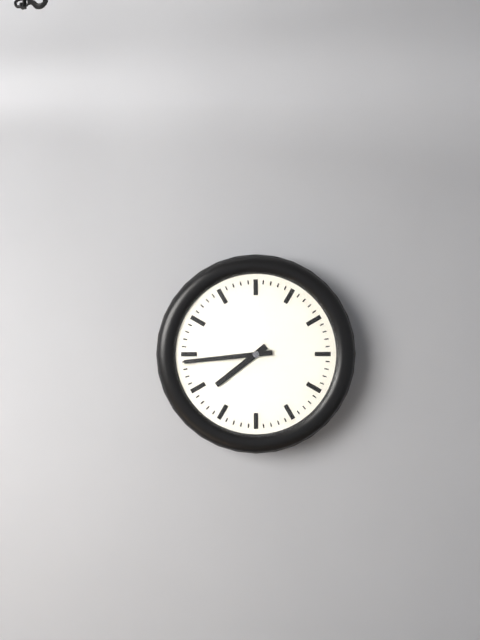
7:44
